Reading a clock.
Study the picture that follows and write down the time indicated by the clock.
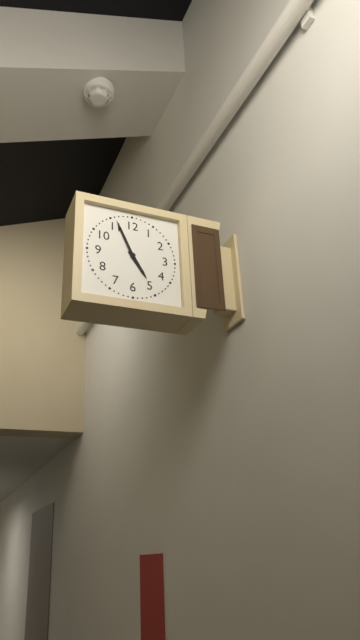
4:56
